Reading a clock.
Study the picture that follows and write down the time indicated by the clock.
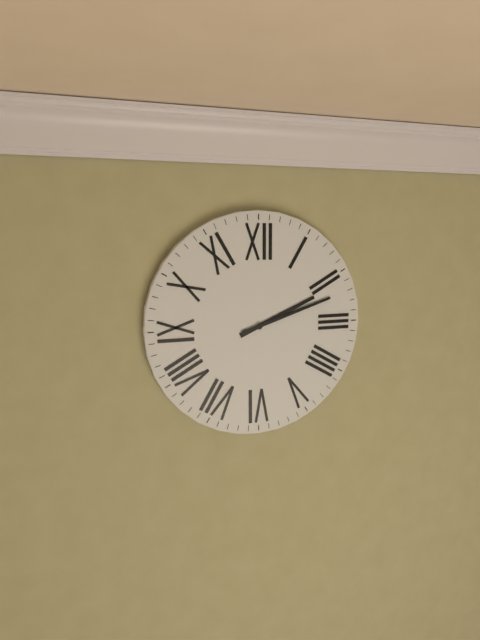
2:12
